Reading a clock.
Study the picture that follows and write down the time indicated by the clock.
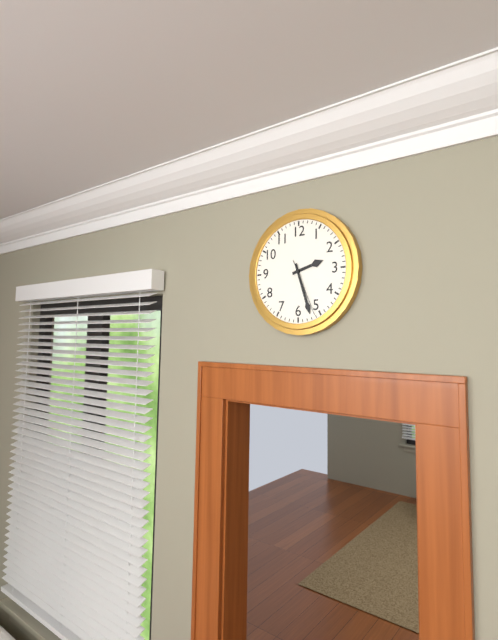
2:27:26
